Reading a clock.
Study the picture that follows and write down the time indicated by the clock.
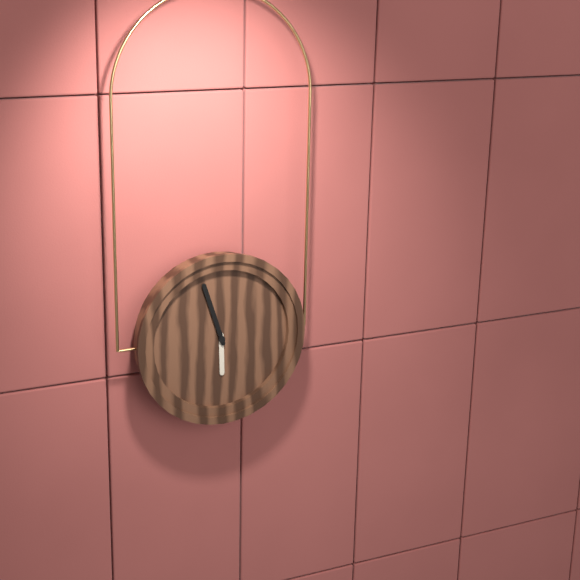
5:57
